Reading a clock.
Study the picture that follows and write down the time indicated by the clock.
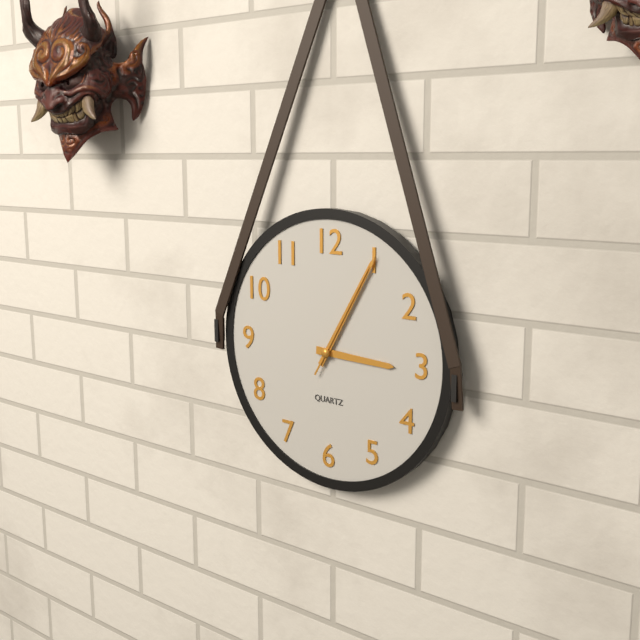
3:05:05
